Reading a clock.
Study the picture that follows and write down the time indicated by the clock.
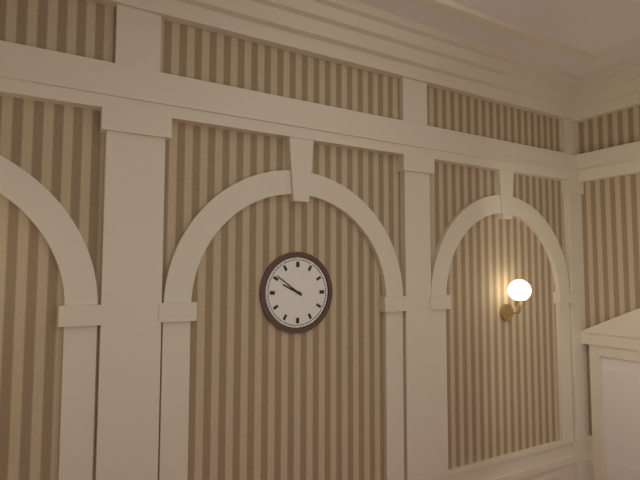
9:51
